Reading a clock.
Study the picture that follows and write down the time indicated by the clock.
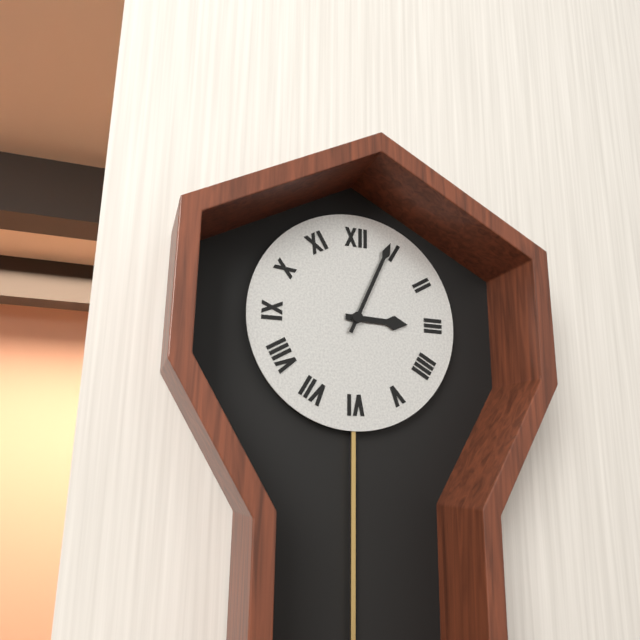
3:04
